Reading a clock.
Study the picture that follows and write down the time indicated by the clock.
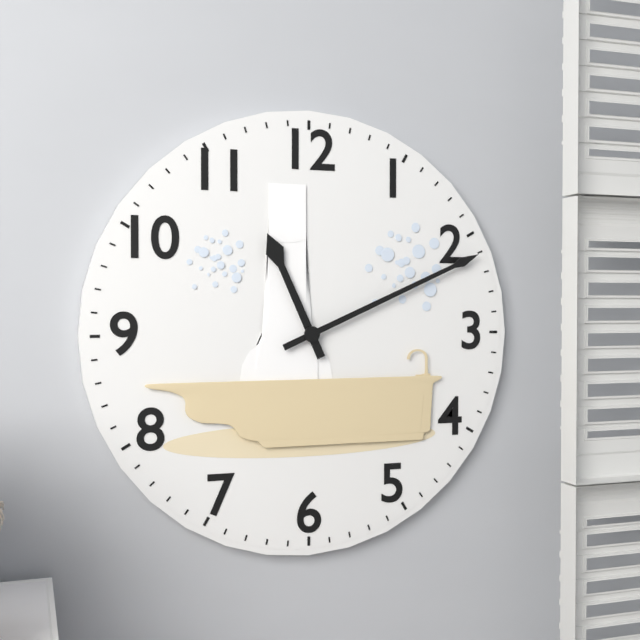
11:11
